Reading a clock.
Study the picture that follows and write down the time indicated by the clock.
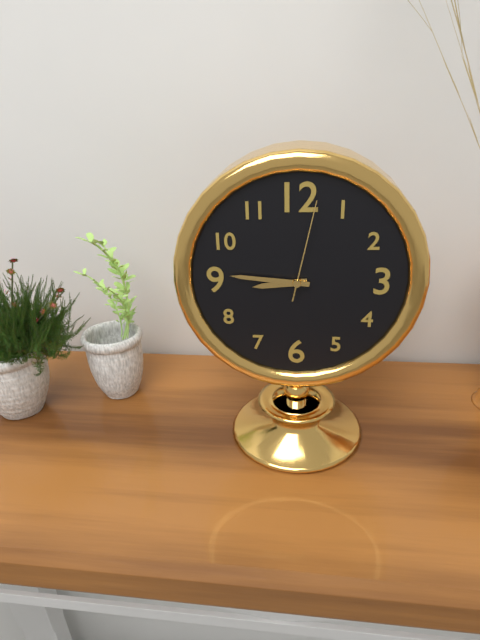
8:46:02
